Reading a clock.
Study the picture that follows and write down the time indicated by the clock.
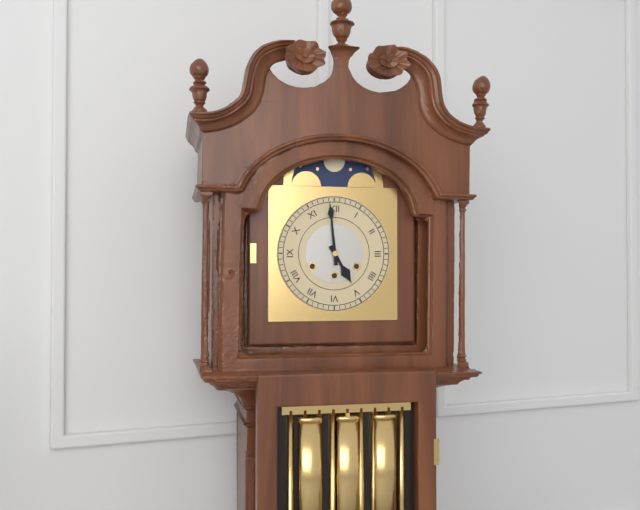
4:59
